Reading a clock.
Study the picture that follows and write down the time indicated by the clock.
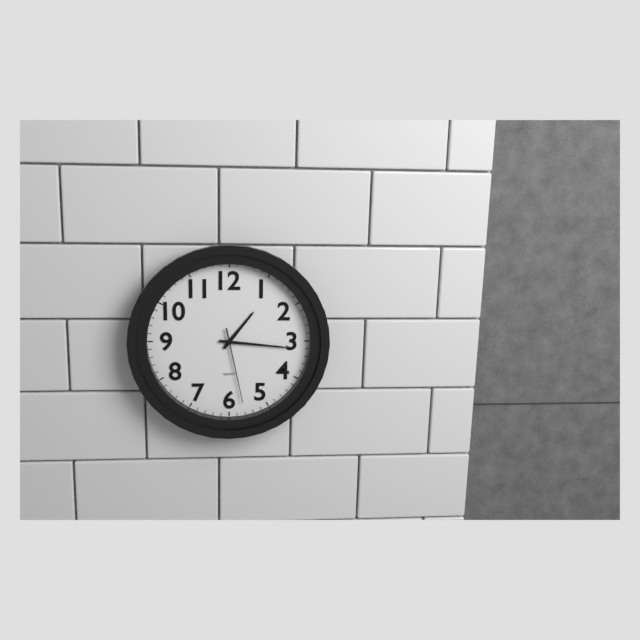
1:16:28
